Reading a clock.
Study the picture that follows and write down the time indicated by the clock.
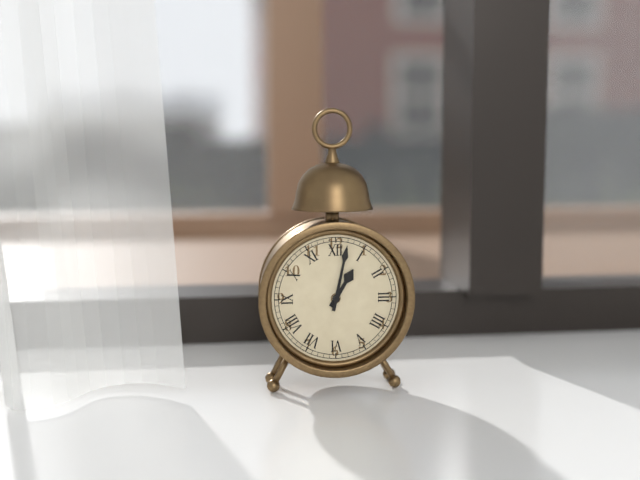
1:02
